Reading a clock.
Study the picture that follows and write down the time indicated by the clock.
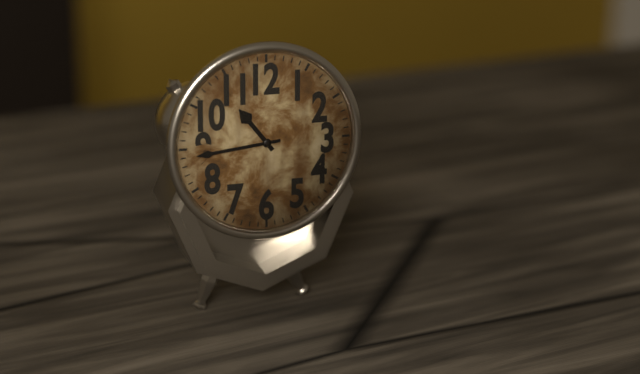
10:44
